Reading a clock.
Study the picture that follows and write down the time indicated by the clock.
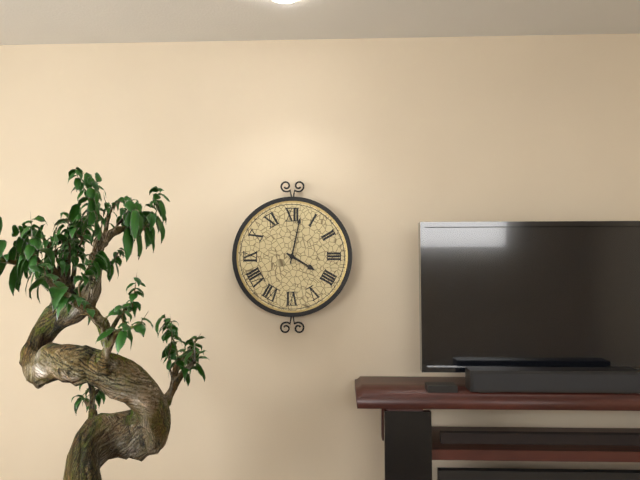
4:02
